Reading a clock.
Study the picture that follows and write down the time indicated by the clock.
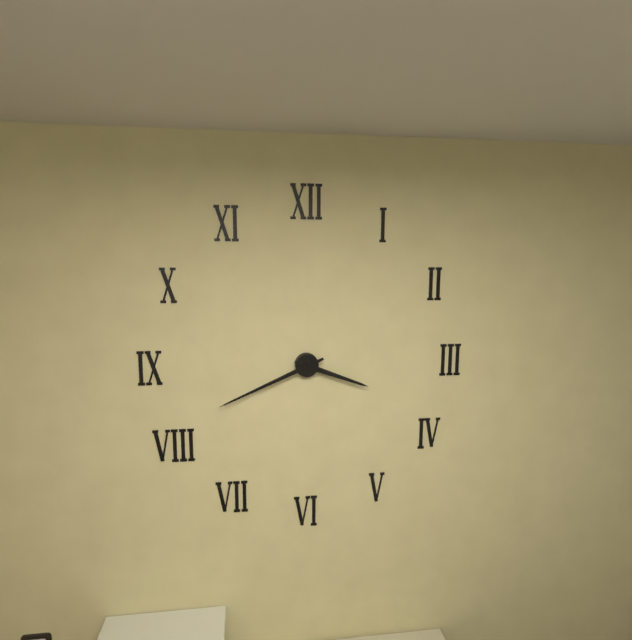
3:41
